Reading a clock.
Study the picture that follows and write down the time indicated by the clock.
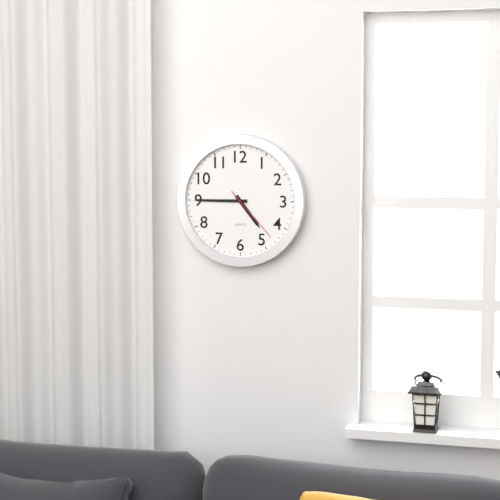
4:45:23
